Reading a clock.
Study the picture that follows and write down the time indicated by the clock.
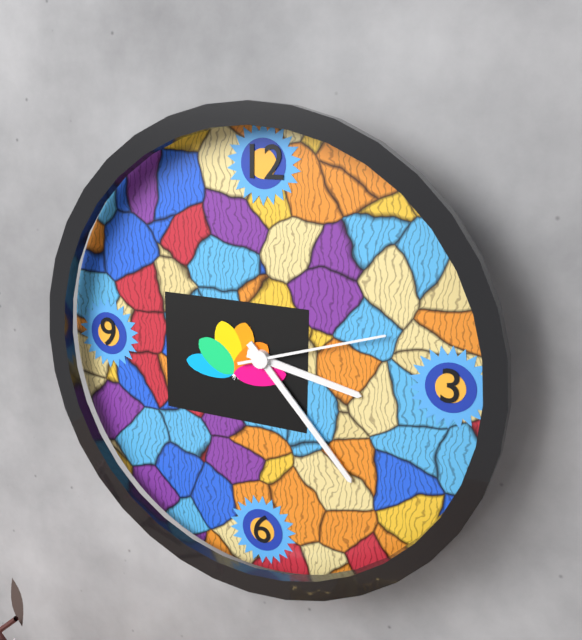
3:23:12
